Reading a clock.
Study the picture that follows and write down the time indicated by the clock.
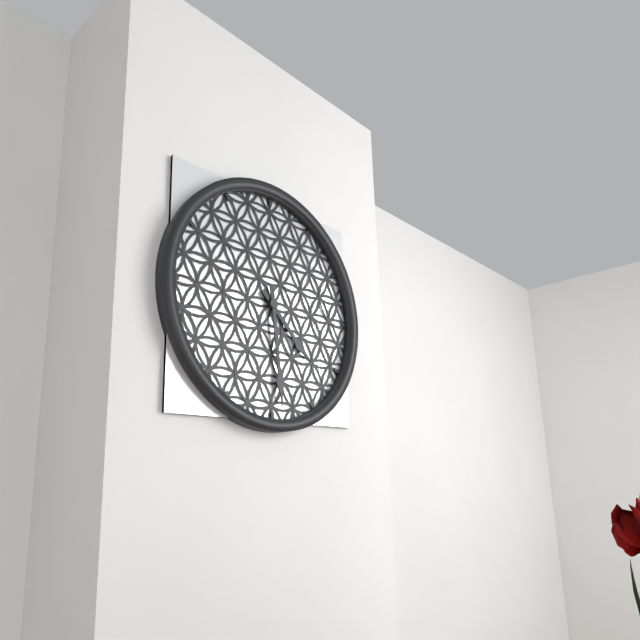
4:29
